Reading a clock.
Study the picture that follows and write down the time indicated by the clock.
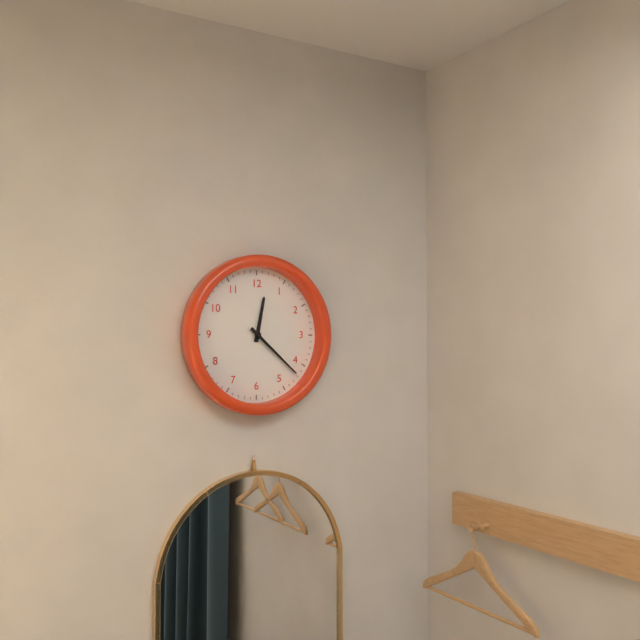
12:22
